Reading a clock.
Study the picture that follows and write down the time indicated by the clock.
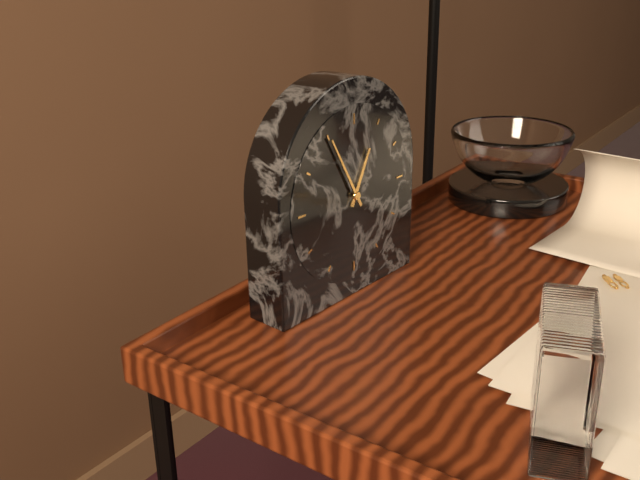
12:55
